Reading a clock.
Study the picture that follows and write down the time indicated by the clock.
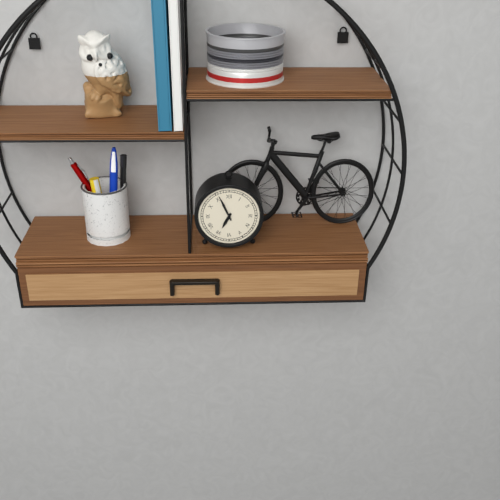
6:56
